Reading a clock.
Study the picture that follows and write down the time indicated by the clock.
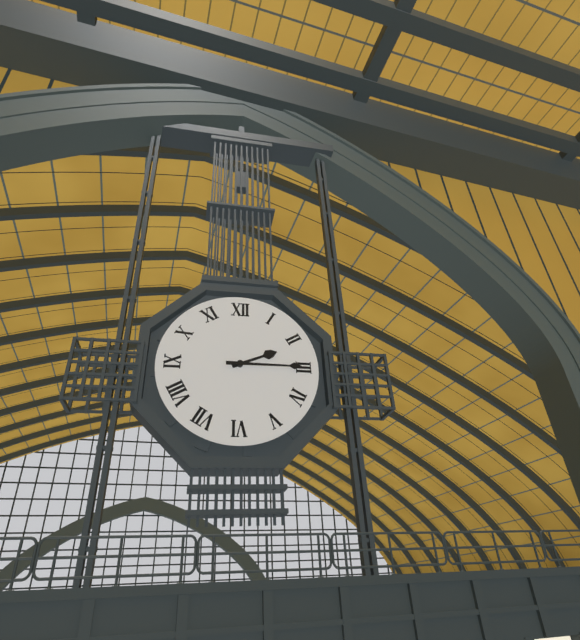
2:15
